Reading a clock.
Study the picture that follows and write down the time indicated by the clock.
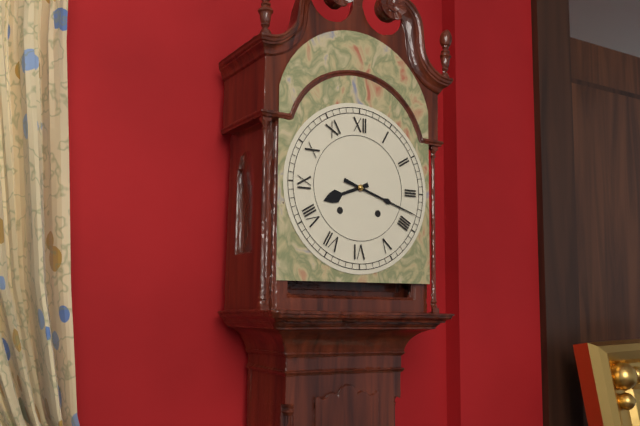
8:18
